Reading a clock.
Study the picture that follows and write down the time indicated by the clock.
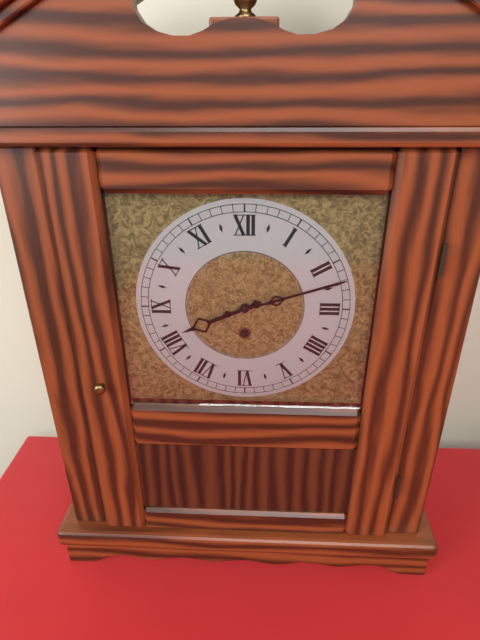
8:12
